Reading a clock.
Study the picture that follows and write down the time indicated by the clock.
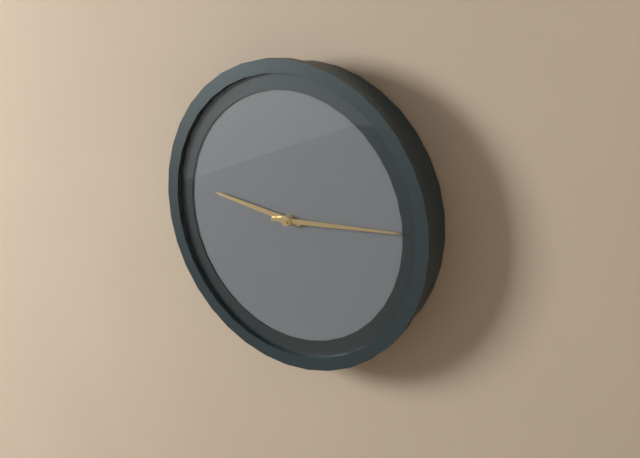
9:14
